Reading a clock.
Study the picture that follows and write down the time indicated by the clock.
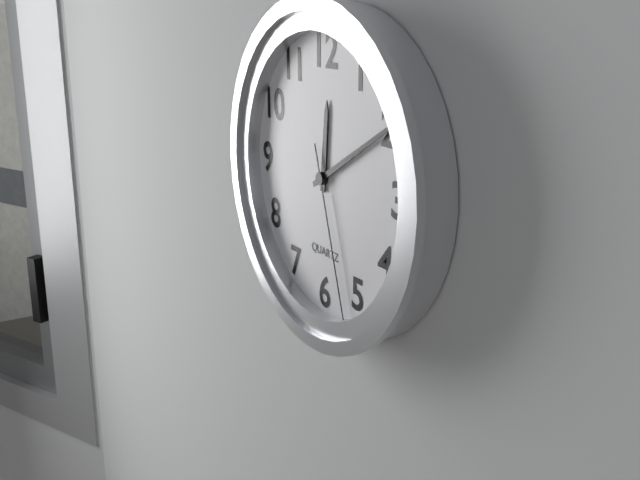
12:10:27
